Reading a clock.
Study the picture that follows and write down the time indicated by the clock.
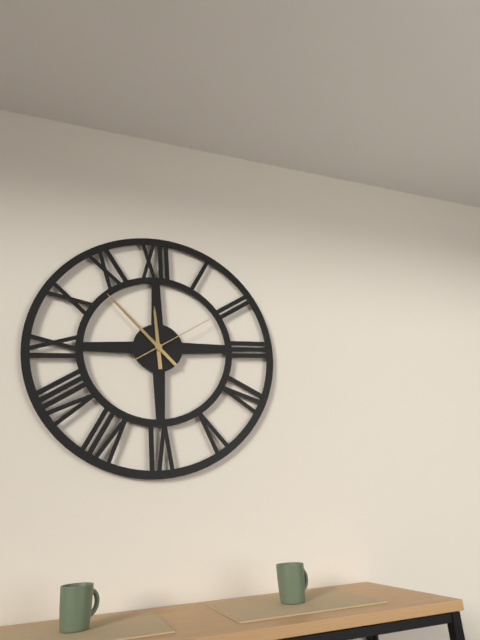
11:53:10
